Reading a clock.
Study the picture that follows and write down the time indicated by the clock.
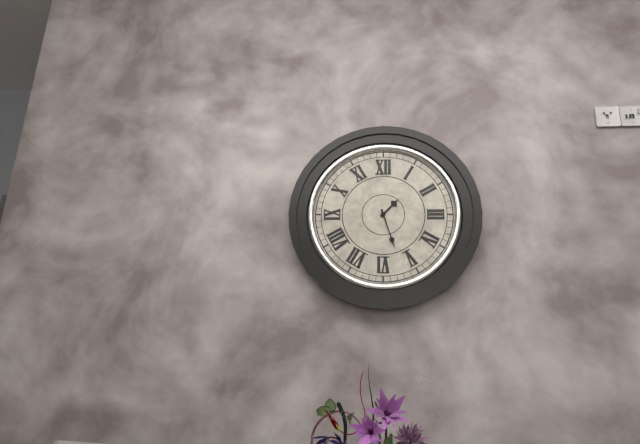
1:27
